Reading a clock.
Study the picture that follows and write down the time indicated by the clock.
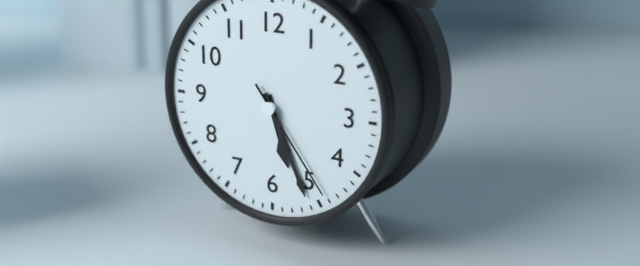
5:26:24
